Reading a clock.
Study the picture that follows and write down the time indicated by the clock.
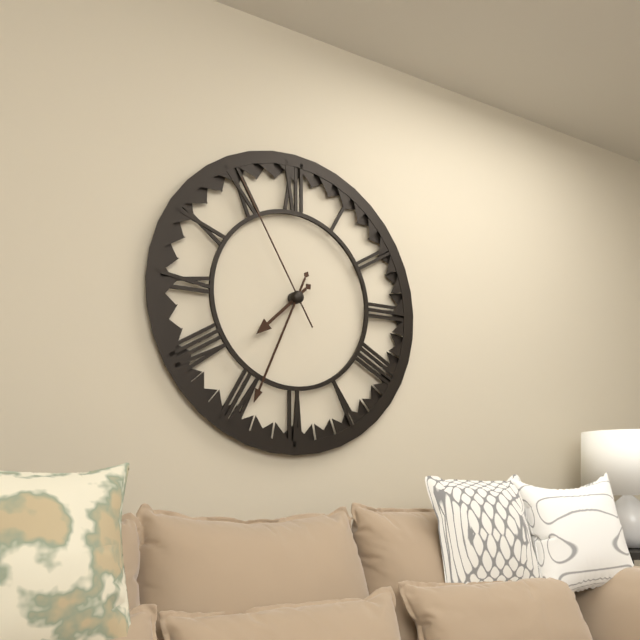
7:34:55
